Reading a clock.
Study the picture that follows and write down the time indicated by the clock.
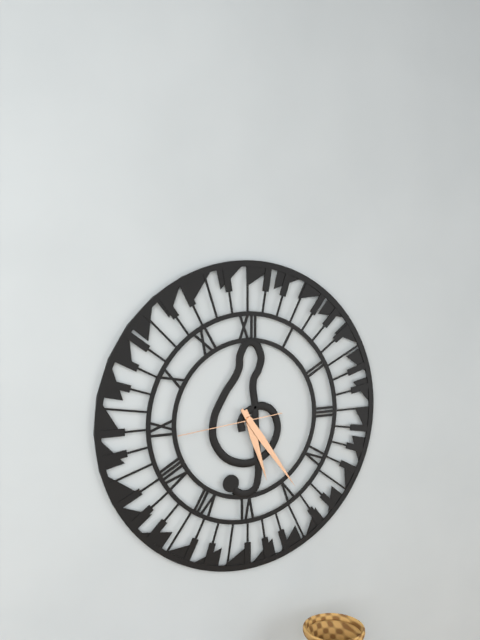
5:24:44
